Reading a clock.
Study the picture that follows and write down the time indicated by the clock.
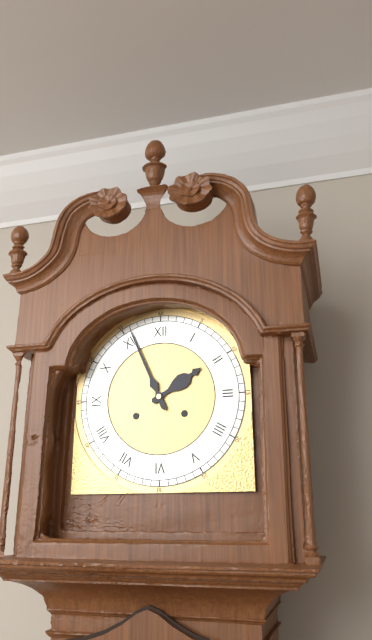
1:56
